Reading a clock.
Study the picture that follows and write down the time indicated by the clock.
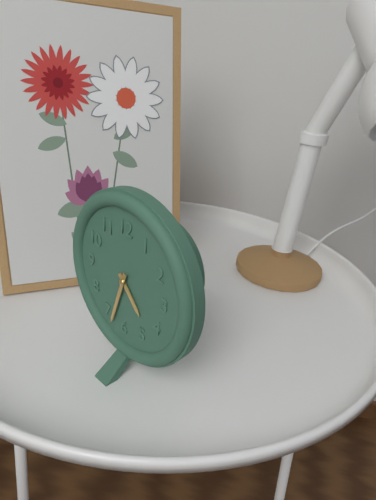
4:33
